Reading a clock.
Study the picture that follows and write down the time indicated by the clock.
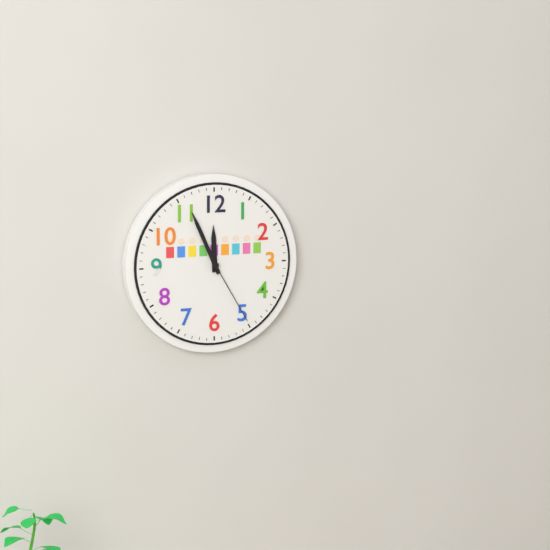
11:56:25
